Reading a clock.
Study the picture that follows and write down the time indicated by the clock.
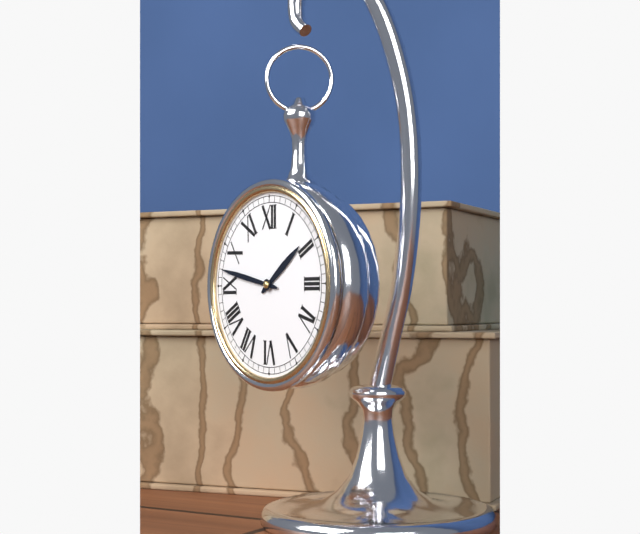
1:47
